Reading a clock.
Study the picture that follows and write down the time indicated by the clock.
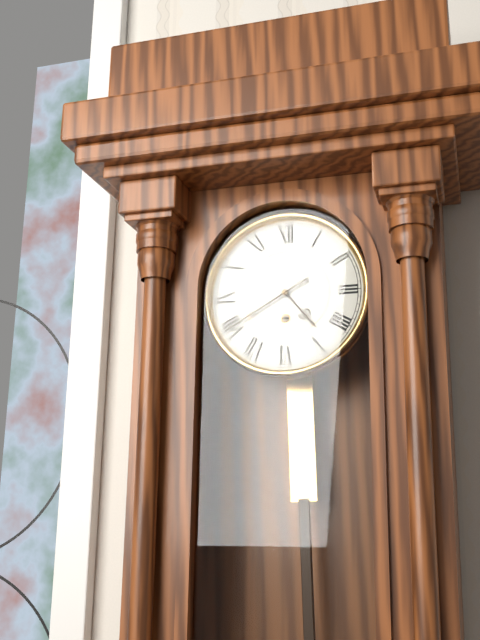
4:40
